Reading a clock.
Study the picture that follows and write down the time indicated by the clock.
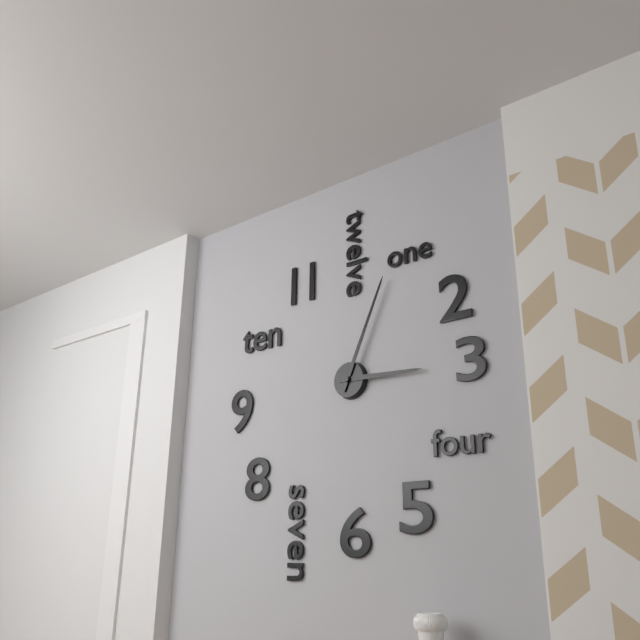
3:04
